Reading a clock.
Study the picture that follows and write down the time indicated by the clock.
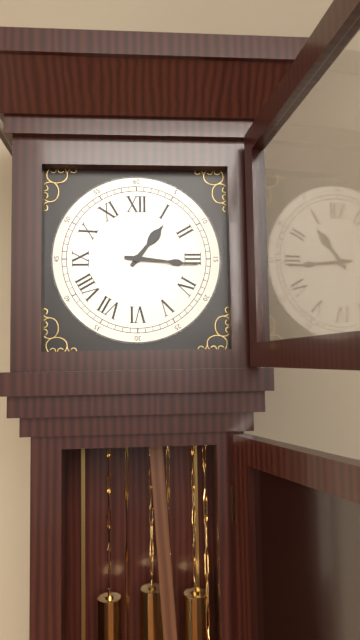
1:16
